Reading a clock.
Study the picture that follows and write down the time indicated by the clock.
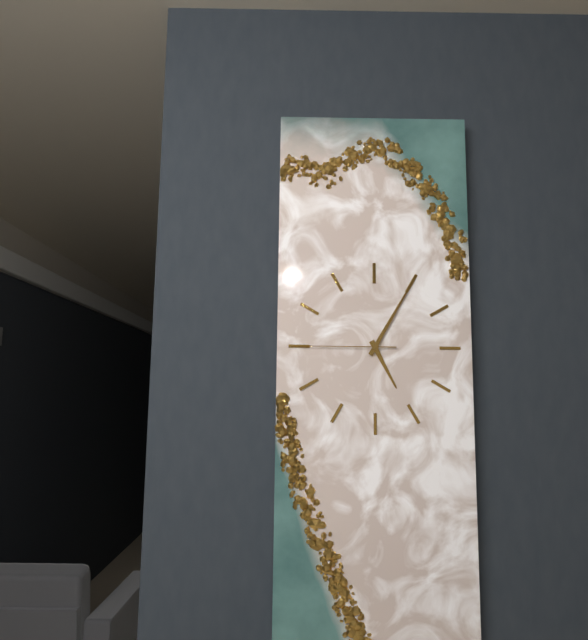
5:05:45
